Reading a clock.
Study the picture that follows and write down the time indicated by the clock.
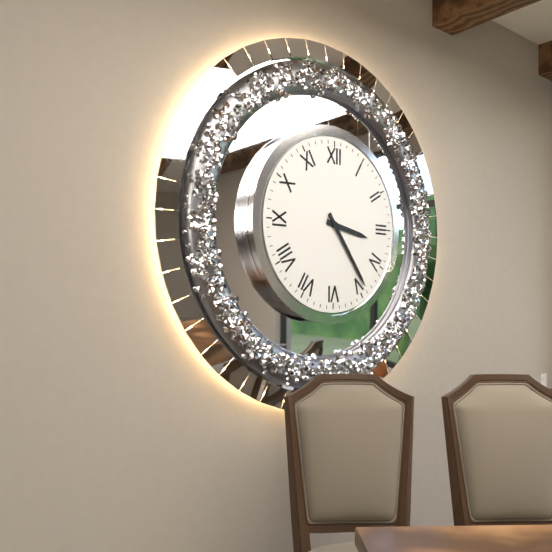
3:24
